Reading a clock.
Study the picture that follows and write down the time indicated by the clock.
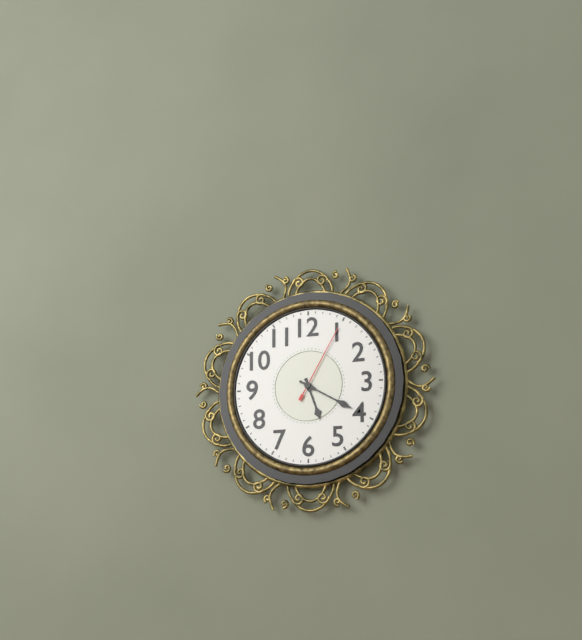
5:20:05
